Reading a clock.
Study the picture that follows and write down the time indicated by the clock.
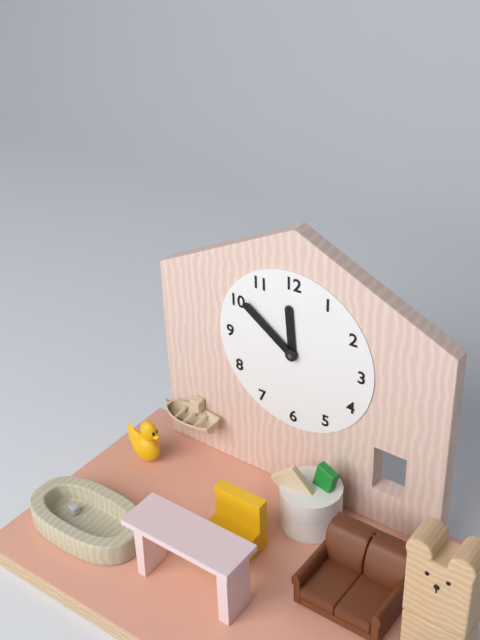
11:51
